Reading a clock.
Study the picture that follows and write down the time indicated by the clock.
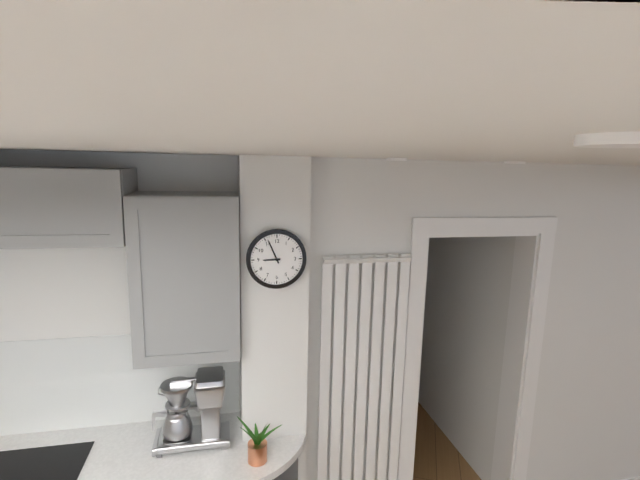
8:56
